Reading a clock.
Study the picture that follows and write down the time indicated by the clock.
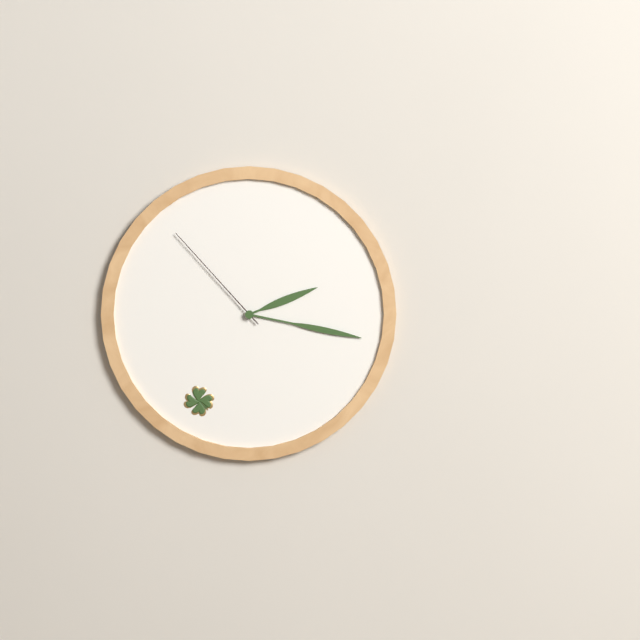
2:17:53
